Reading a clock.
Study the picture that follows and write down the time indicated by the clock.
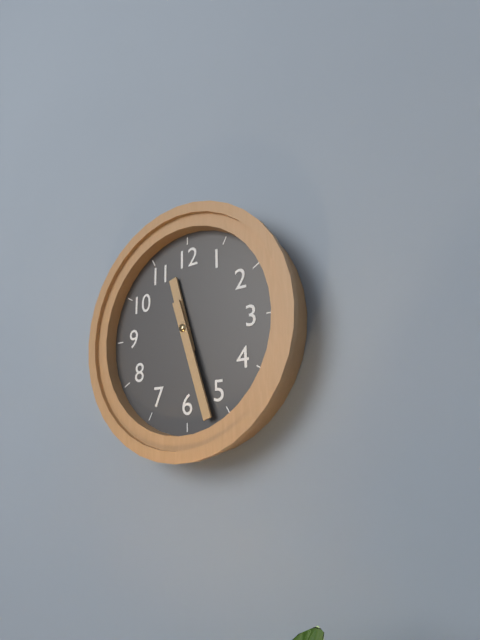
11:27
